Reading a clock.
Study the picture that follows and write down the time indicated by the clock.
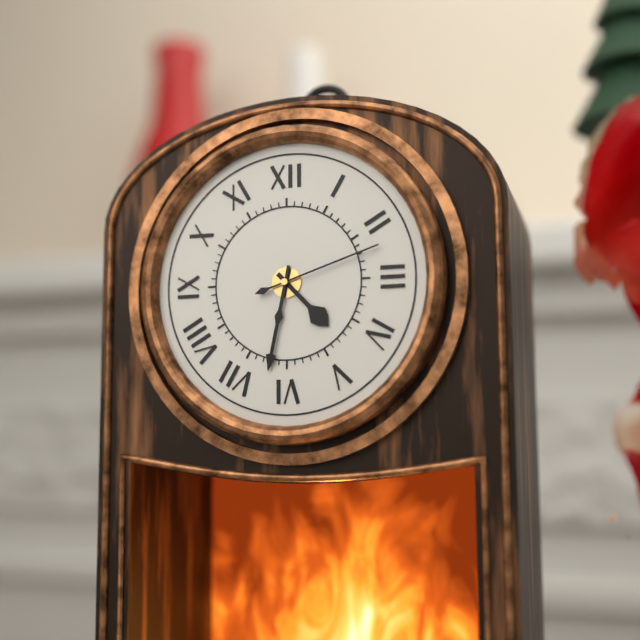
4:32:12
